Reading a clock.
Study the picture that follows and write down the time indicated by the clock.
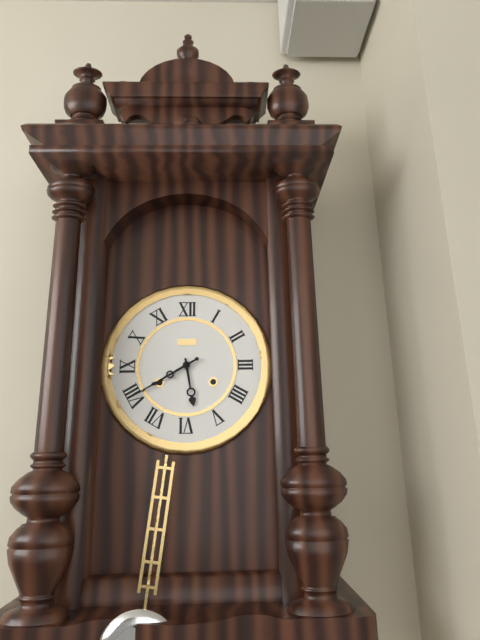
5:40
